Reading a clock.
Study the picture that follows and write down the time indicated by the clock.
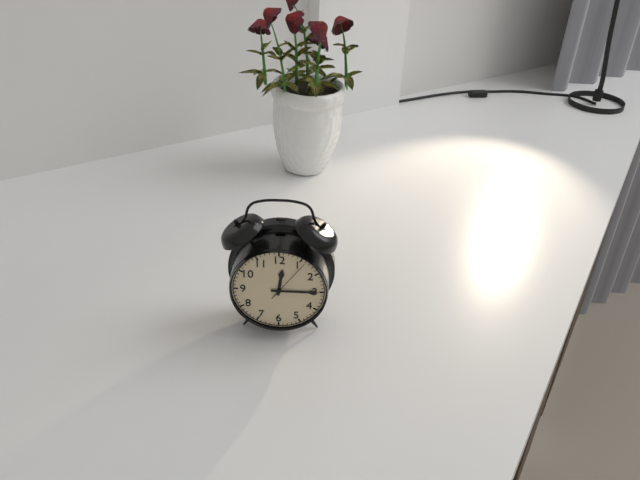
12:15
